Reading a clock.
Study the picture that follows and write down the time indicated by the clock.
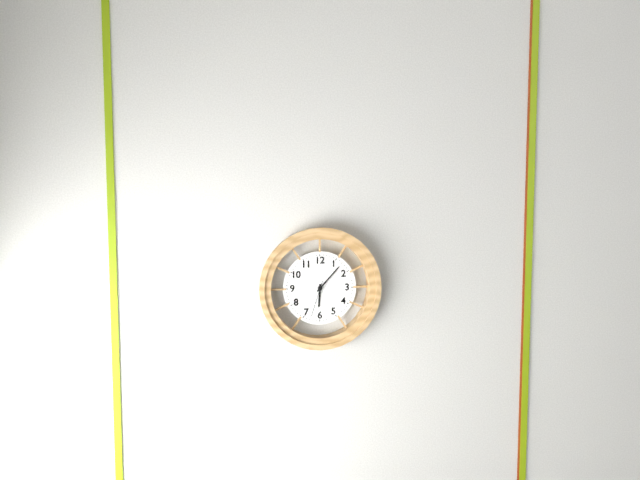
6:07
